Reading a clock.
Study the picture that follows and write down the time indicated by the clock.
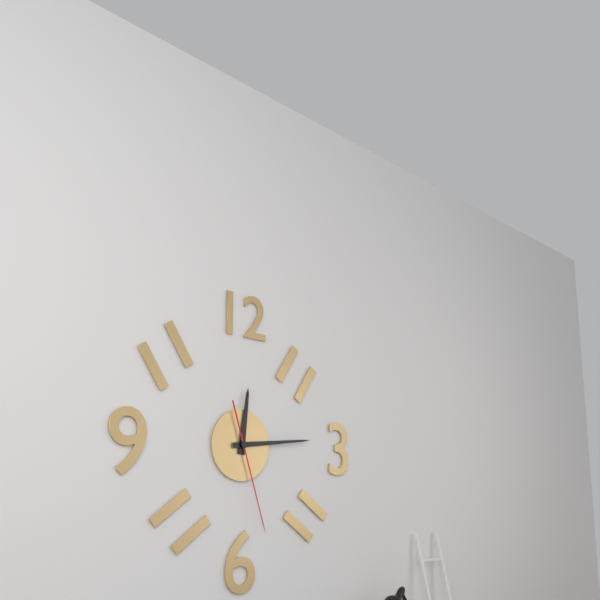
12:14:27
